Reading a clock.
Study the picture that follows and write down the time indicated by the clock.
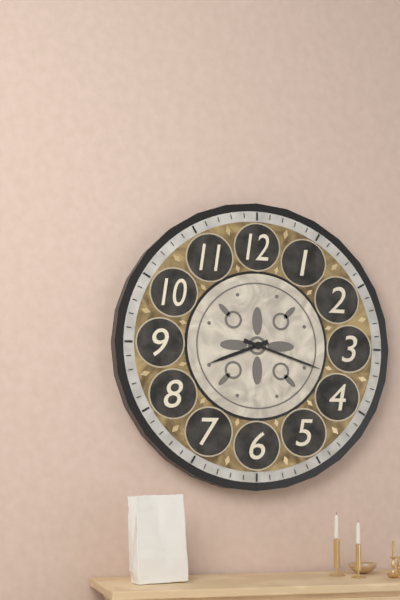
8:18
